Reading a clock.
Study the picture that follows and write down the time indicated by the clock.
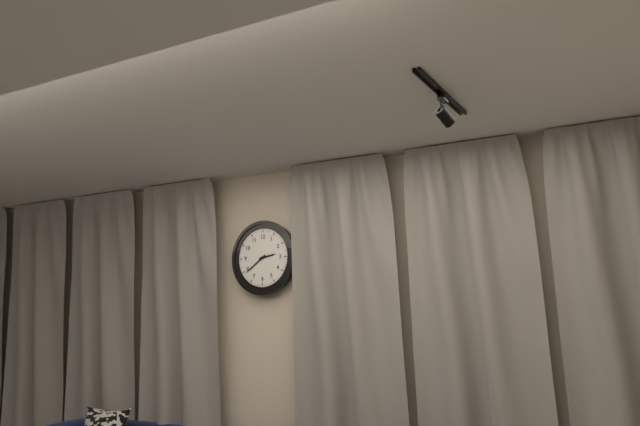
2:39
